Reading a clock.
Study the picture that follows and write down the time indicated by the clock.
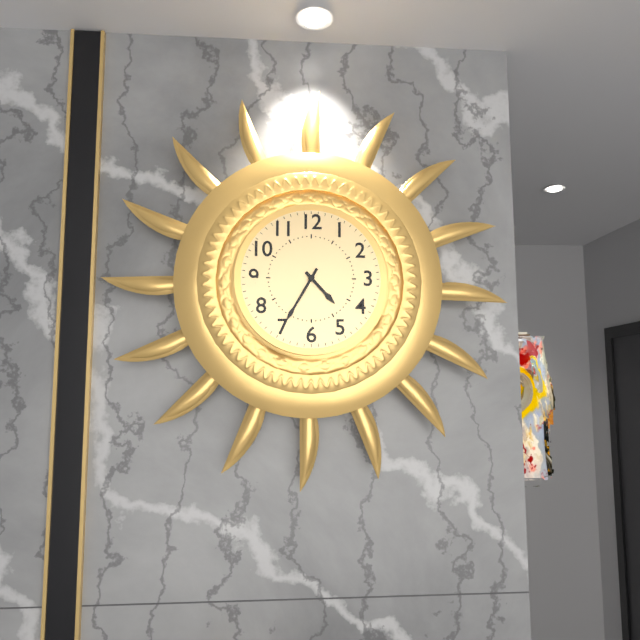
4:35
